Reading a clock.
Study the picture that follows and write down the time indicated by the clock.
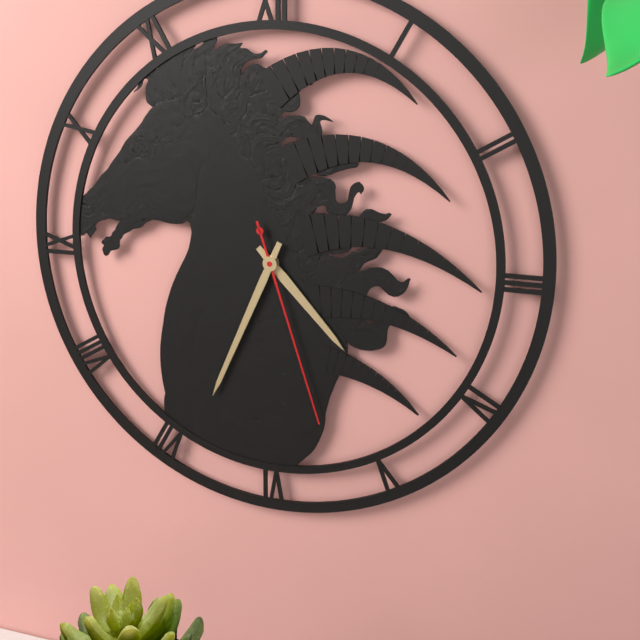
4:34:27
